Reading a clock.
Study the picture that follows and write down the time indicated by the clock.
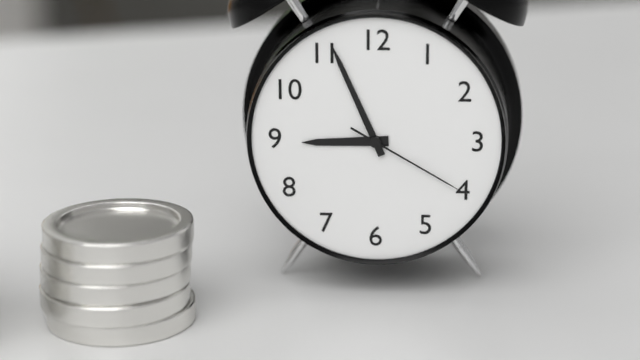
8:56:20
